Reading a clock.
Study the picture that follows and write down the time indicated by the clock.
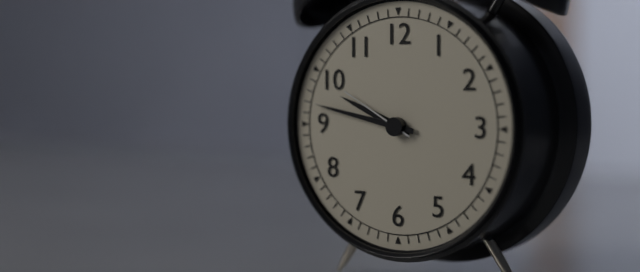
9:47:50
